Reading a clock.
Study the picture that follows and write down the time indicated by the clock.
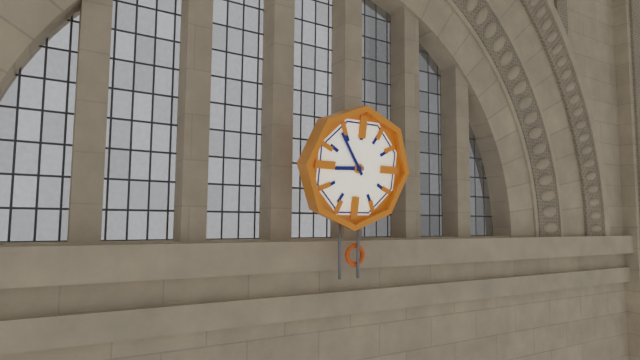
8:54
